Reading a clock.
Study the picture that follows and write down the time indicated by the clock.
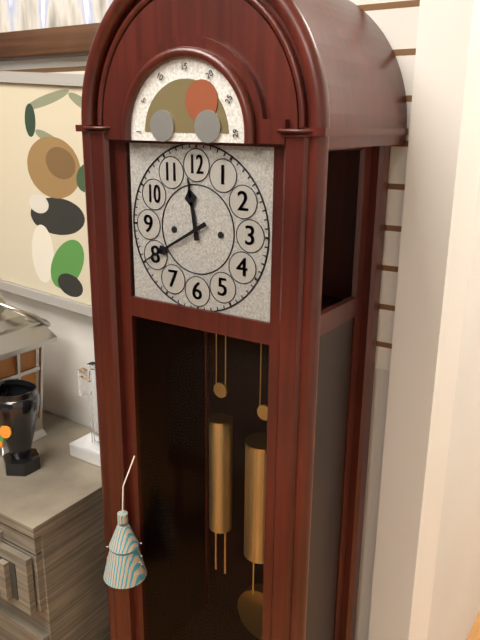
11:40
